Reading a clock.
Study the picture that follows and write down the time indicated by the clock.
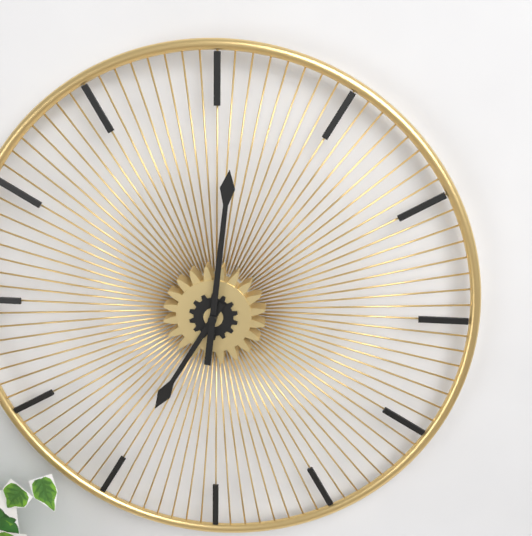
7:01
